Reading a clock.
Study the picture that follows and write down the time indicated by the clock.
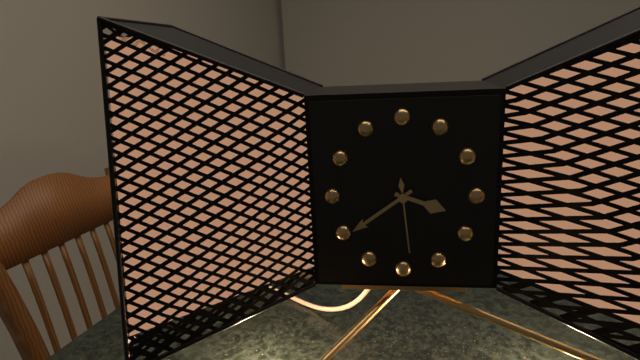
3:39:29
